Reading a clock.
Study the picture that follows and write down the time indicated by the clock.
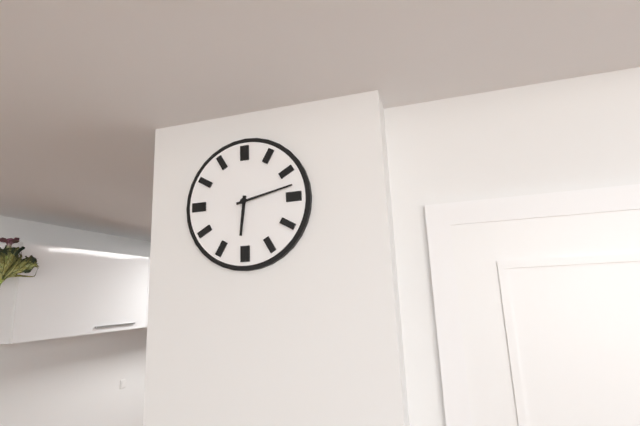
6:13
